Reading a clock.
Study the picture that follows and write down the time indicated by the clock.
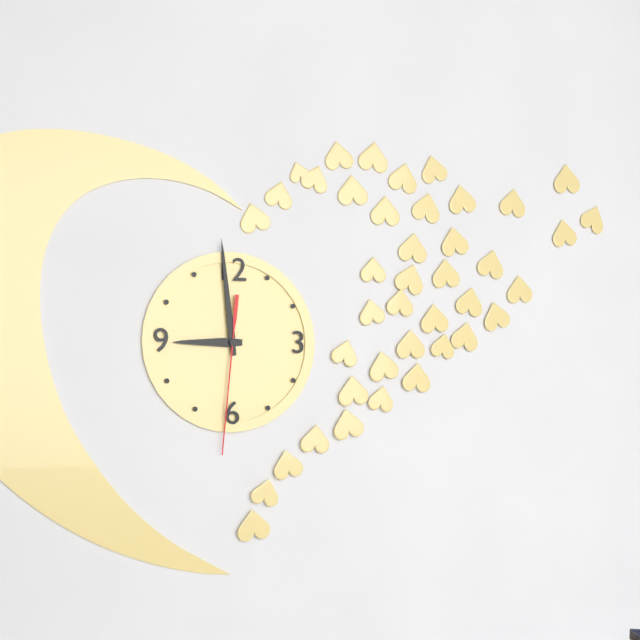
8:59:31
